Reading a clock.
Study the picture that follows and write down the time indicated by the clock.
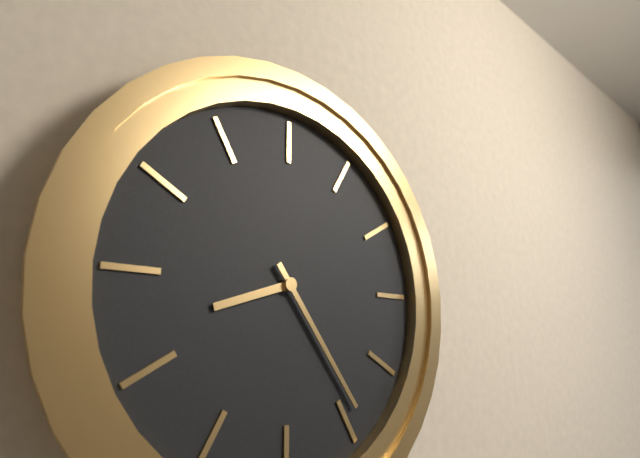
8:24
